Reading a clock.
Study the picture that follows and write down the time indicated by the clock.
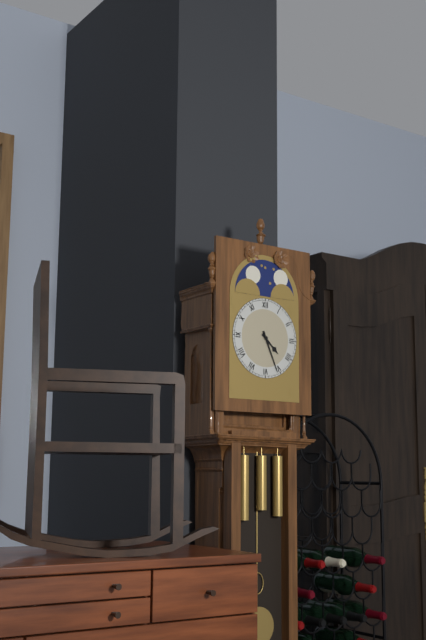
4:26
